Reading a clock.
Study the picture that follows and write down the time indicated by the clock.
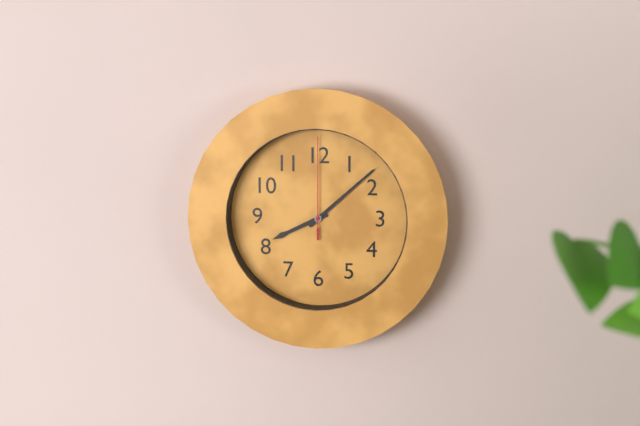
8:08:00
